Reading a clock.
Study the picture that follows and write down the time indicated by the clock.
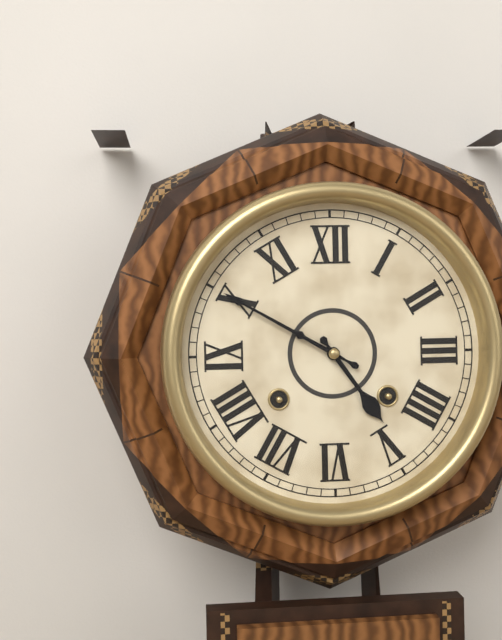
4:50
